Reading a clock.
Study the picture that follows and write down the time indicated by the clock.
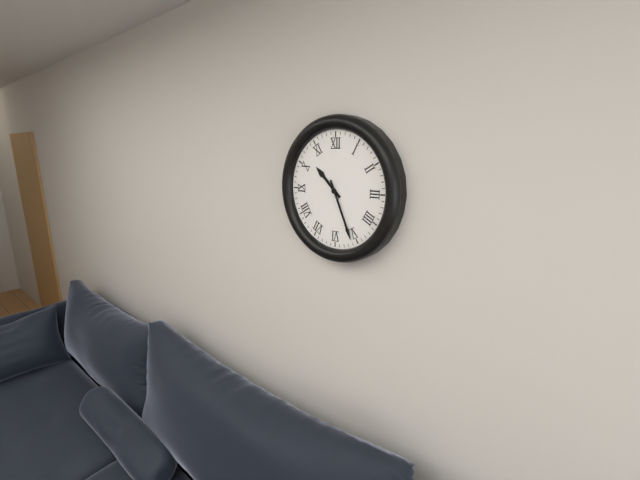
10:26
